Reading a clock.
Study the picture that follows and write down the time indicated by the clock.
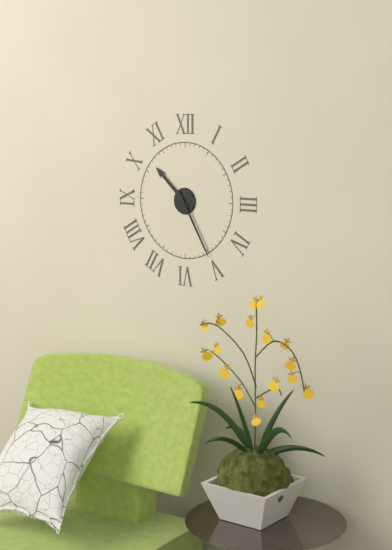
10:25
